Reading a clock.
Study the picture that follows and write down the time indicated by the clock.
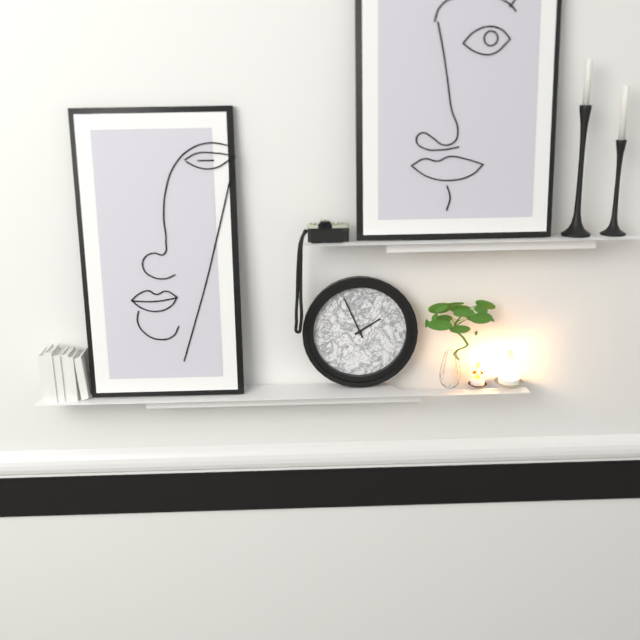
1:56
